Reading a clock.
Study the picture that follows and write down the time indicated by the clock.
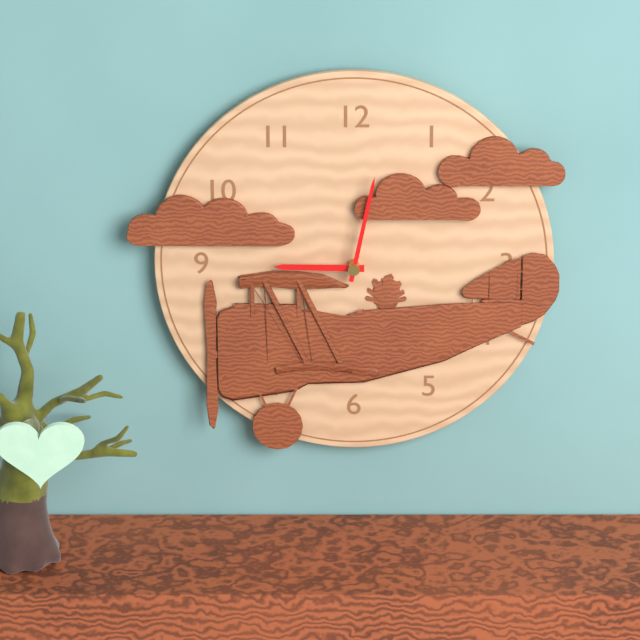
9:02
